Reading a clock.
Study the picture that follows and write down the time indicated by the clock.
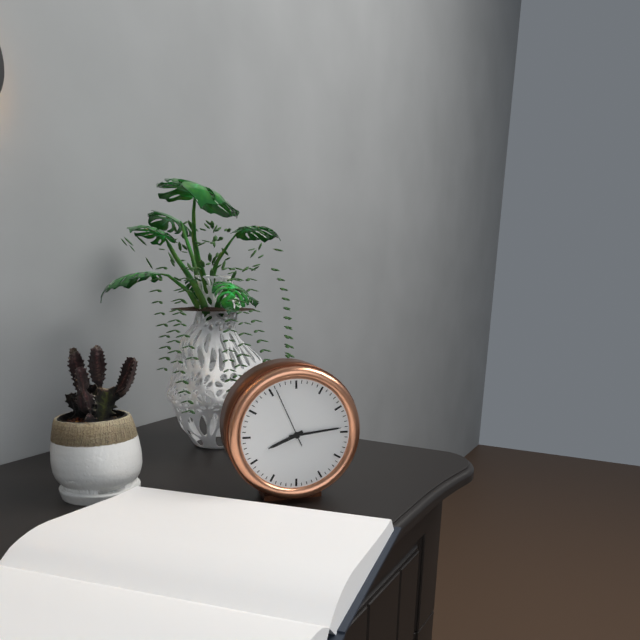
8:14:56
